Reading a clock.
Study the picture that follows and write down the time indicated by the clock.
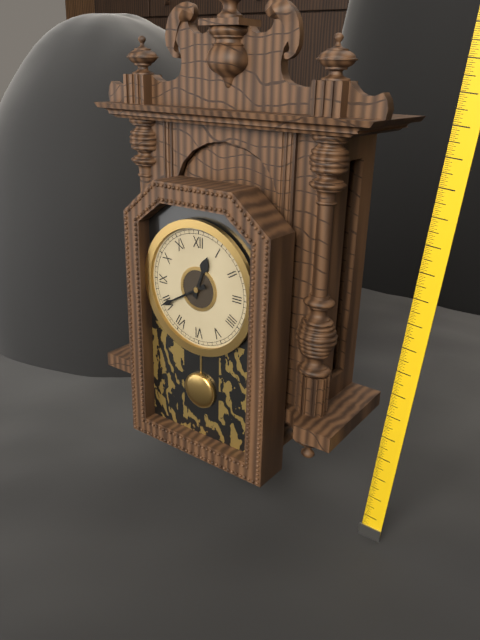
12:40
